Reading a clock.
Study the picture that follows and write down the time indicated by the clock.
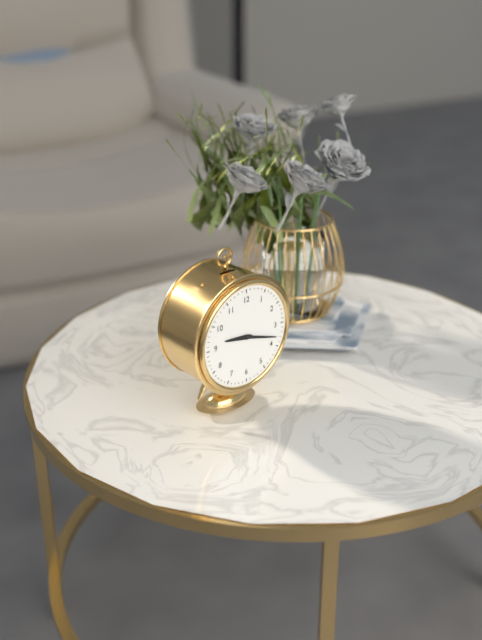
9:18
